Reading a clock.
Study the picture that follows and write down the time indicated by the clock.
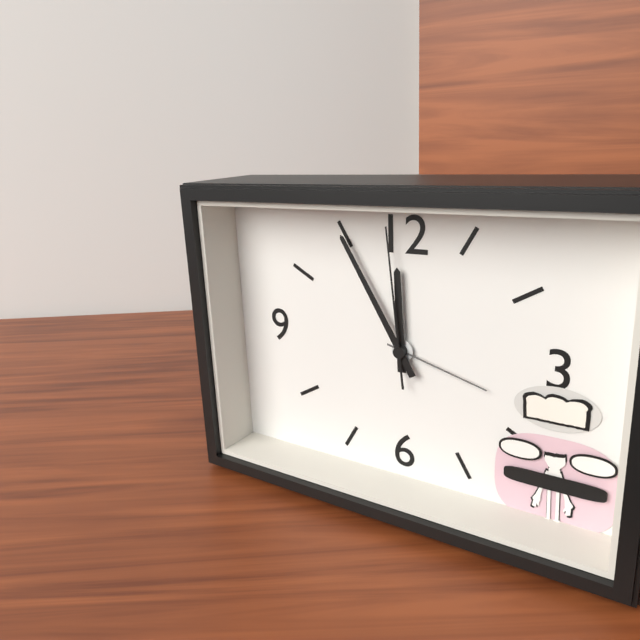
11:55:59
